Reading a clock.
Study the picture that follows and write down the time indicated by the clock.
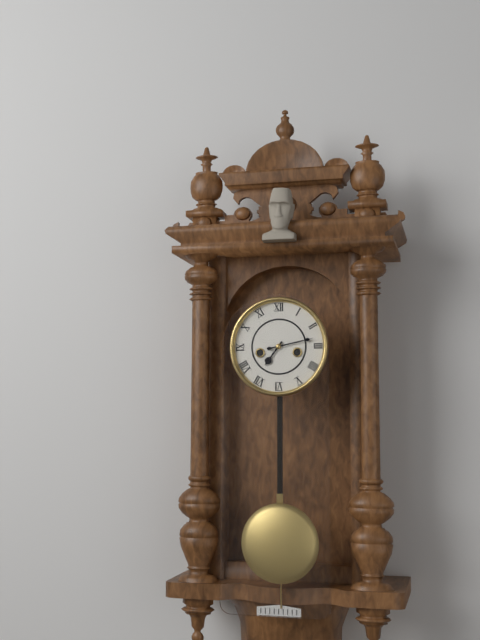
7:13
